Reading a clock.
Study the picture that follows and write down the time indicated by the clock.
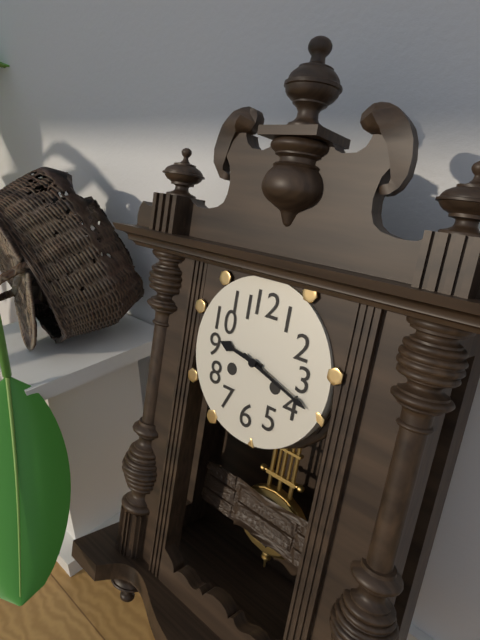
9:18
